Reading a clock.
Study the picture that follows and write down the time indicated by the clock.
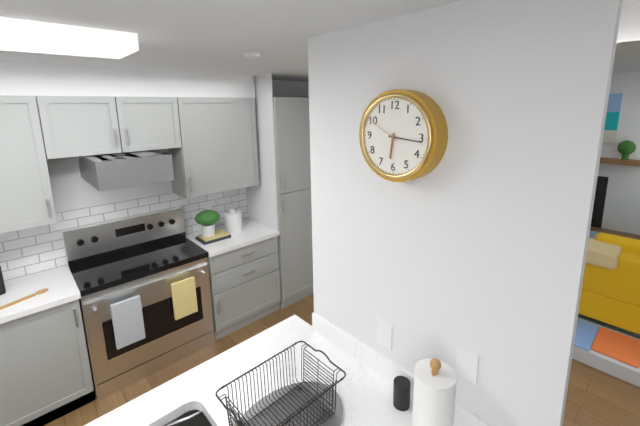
6:16
